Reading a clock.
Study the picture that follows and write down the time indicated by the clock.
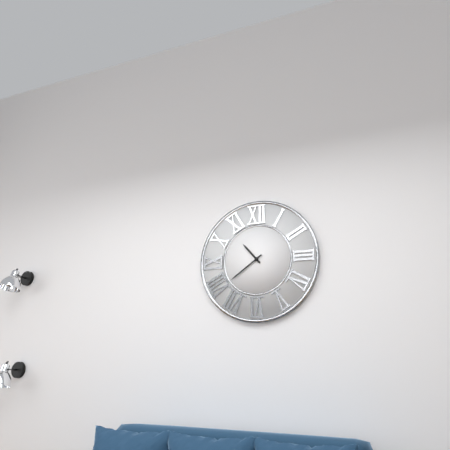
10:39
